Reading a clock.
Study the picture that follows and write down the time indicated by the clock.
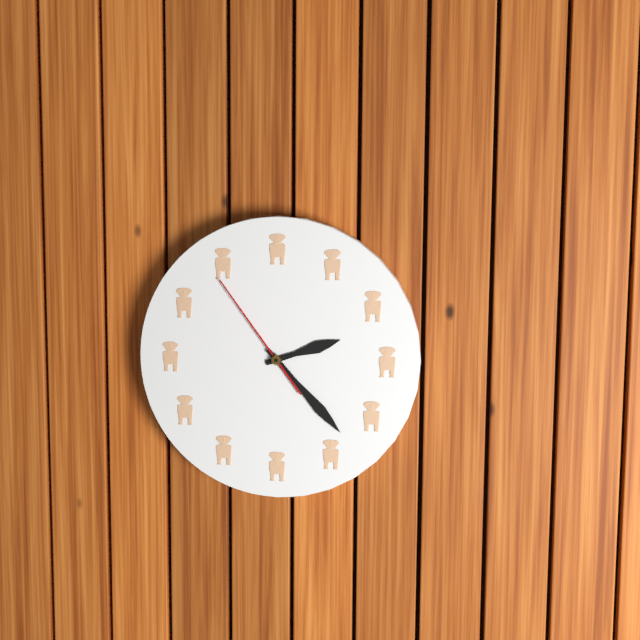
2:23:54
